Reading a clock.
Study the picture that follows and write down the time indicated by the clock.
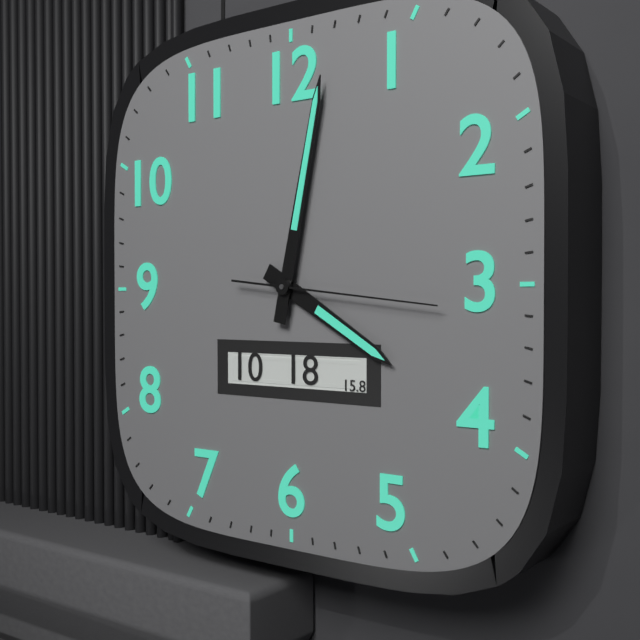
4:02:16
